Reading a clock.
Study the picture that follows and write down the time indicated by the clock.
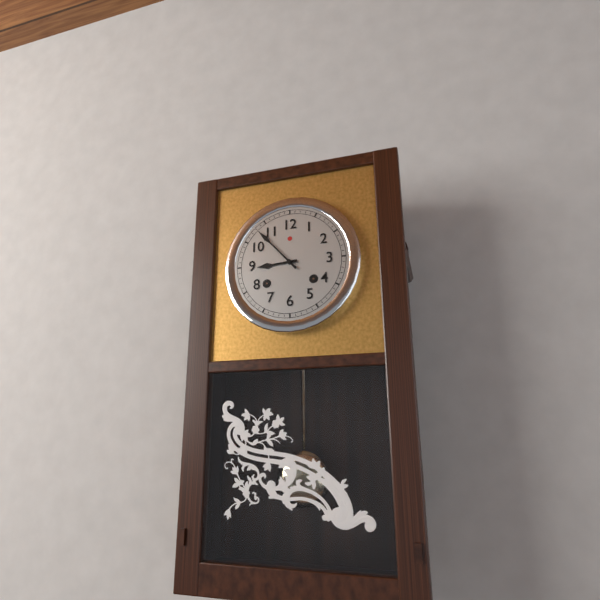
8:53
